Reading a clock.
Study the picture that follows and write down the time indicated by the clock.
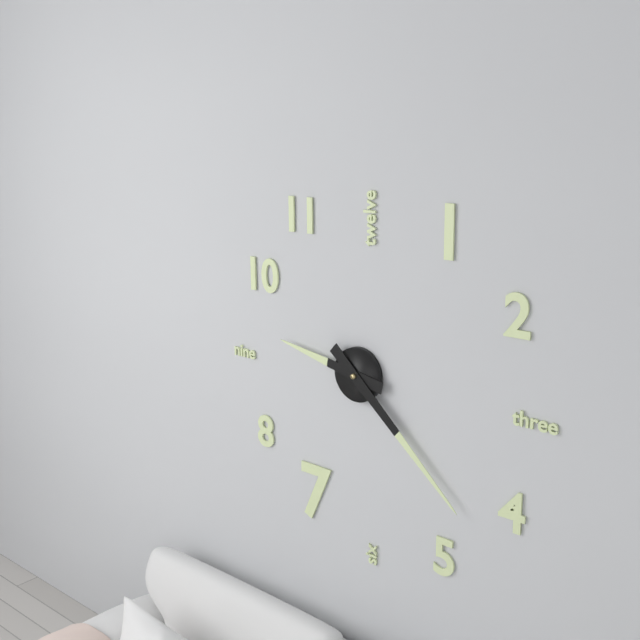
9:22
